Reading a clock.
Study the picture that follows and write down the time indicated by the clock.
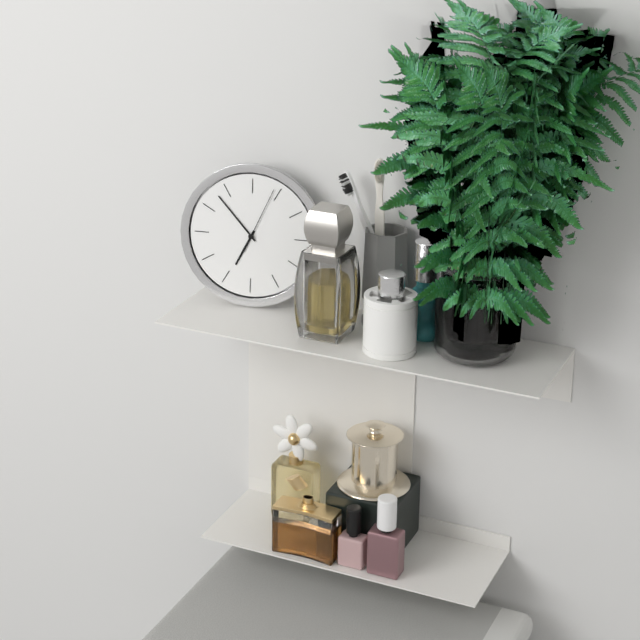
6:53:04
